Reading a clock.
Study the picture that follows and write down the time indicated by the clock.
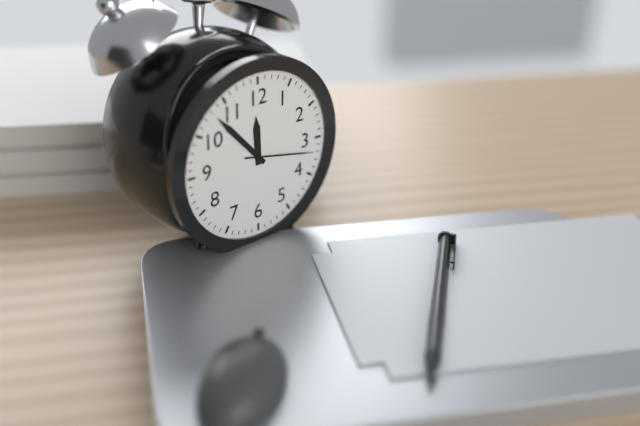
11:53:17
